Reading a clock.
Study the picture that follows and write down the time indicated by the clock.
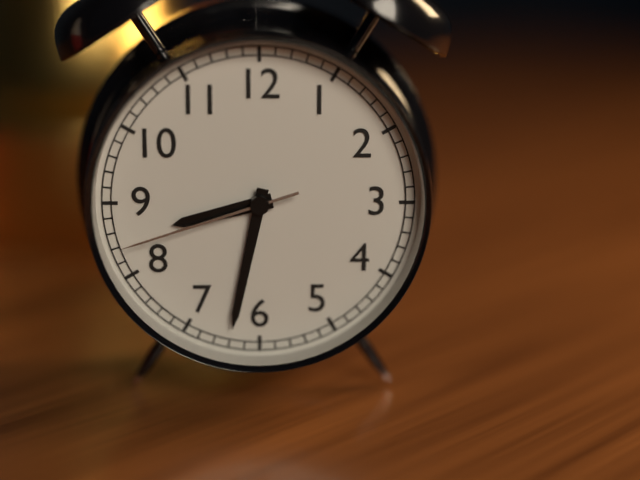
8:32:42
